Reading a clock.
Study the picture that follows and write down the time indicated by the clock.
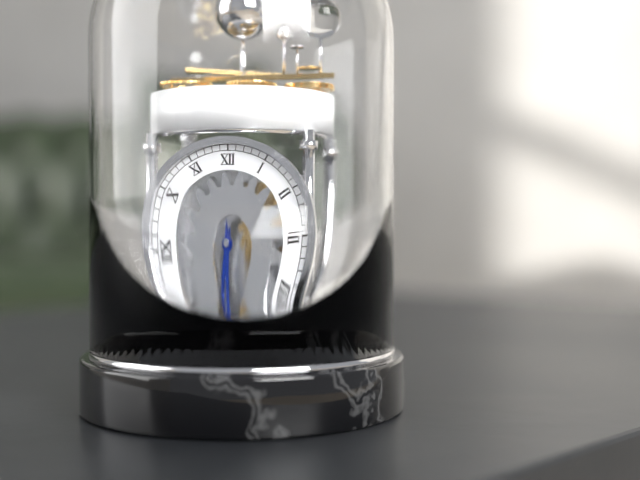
6:30
